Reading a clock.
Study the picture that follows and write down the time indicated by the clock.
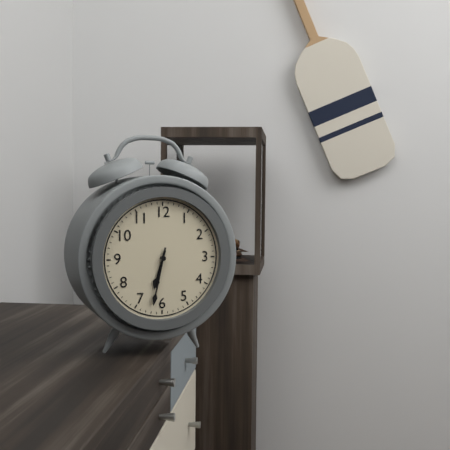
6:32
